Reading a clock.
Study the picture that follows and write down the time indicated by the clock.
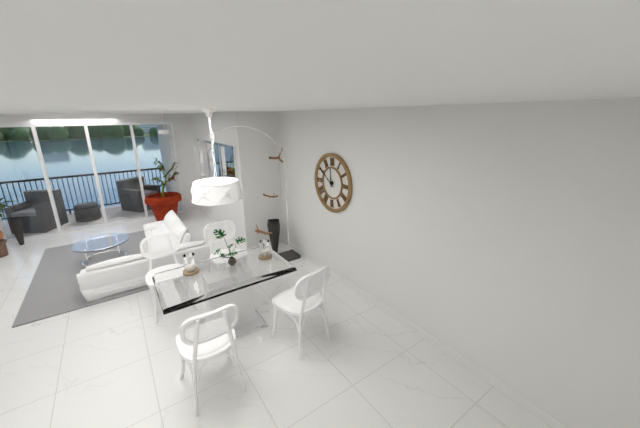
11:51
